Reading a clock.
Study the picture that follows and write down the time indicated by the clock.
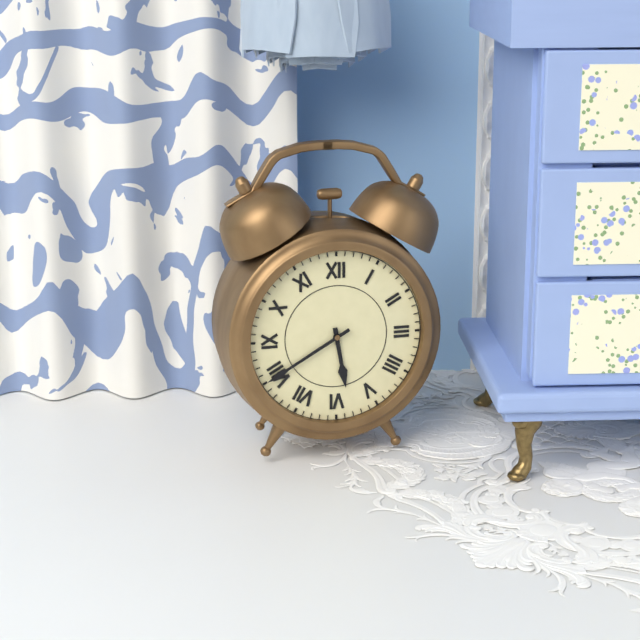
5:40
